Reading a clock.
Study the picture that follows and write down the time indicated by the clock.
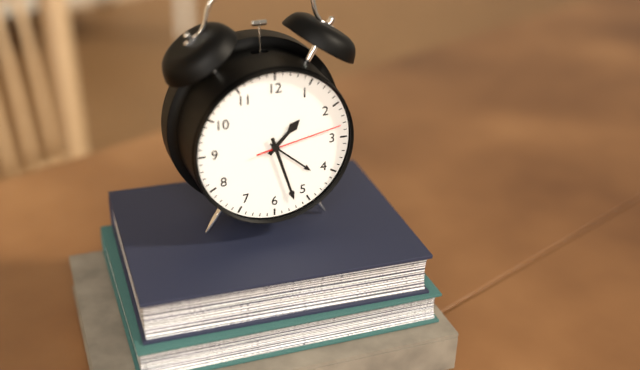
1:27:13
